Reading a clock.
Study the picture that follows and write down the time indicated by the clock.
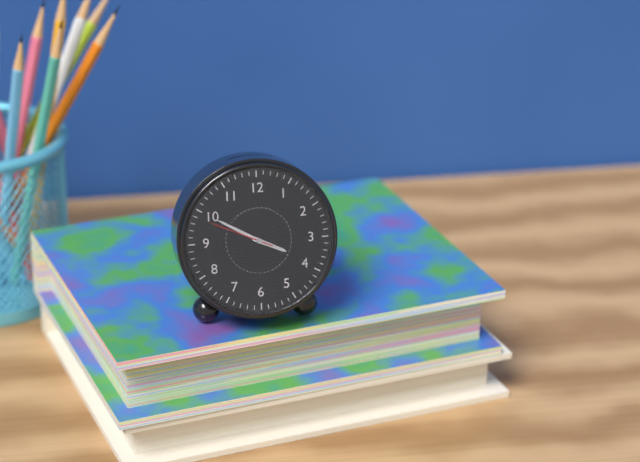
3:50:49
